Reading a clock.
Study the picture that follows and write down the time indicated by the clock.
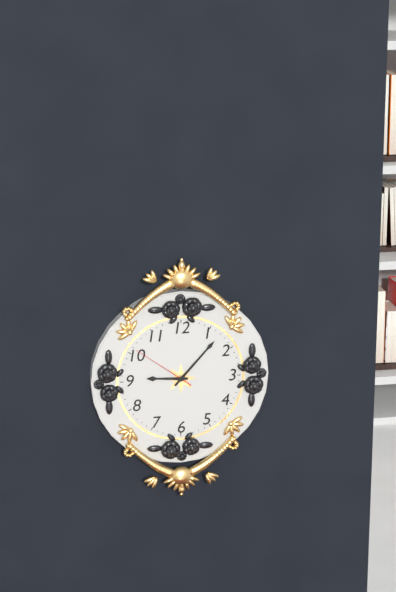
9:07:51
